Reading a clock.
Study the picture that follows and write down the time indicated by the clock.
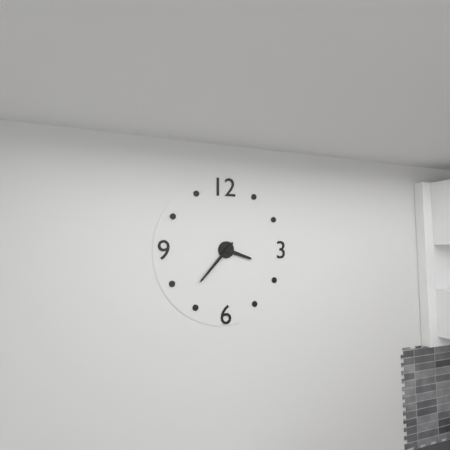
3:37
